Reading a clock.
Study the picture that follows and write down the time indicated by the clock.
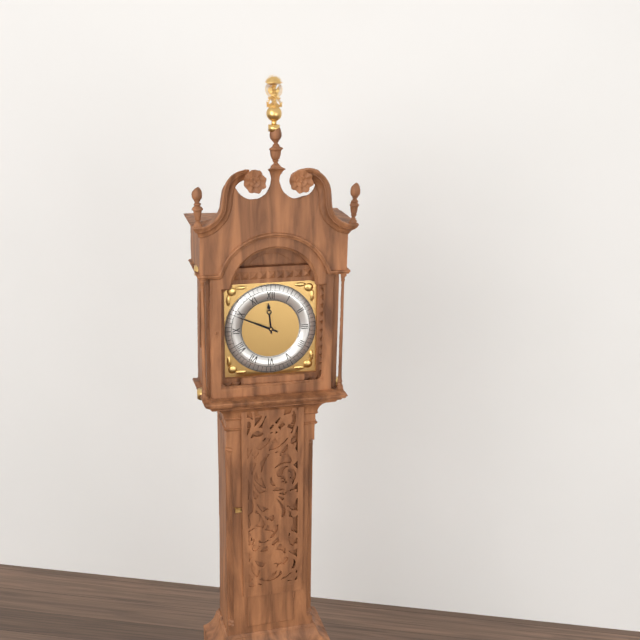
11:49
